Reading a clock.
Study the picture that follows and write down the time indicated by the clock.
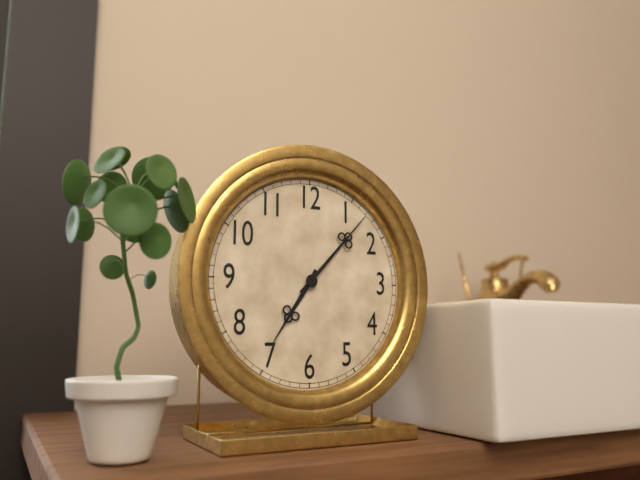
7:07
